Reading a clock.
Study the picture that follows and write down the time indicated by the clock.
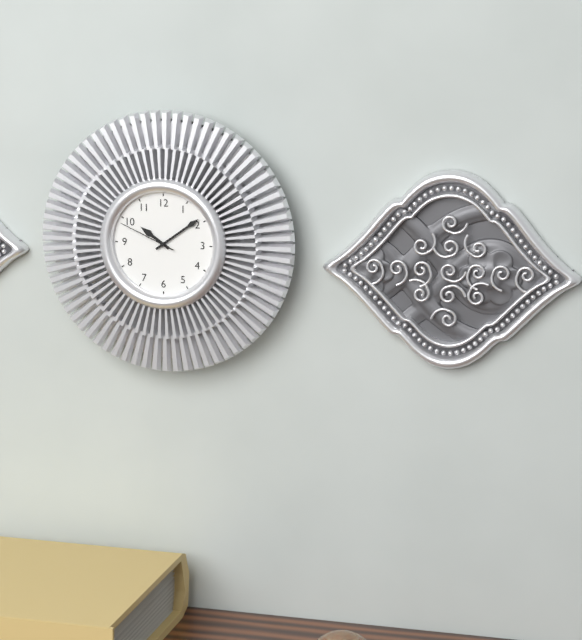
10:09:49
